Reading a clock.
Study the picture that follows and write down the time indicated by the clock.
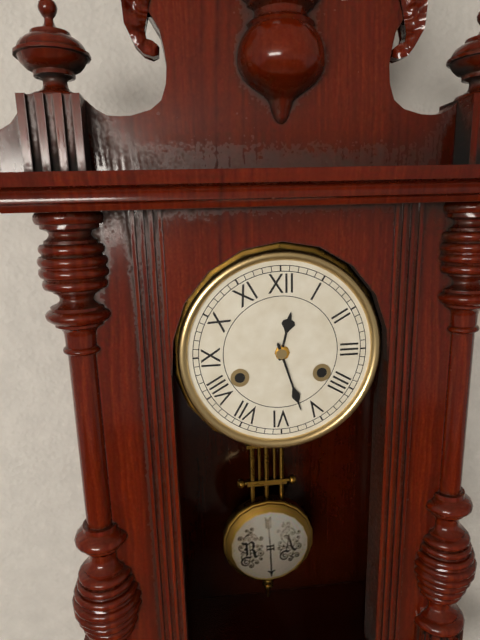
12:27
